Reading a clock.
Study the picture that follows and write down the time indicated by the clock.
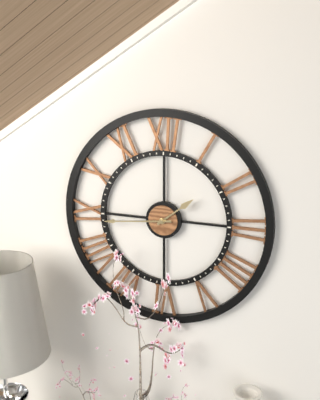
1:44
